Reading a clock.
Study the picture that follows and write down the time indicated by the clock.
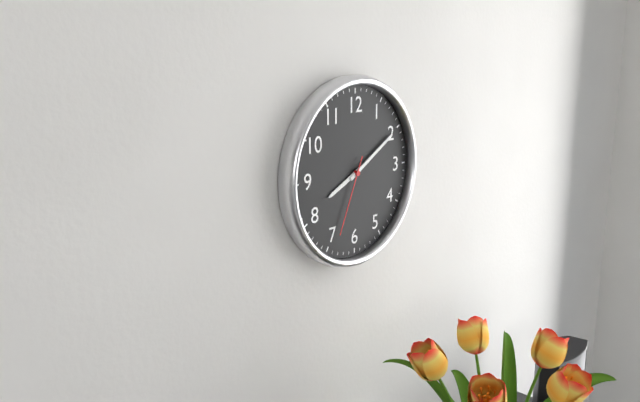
8:10:34
